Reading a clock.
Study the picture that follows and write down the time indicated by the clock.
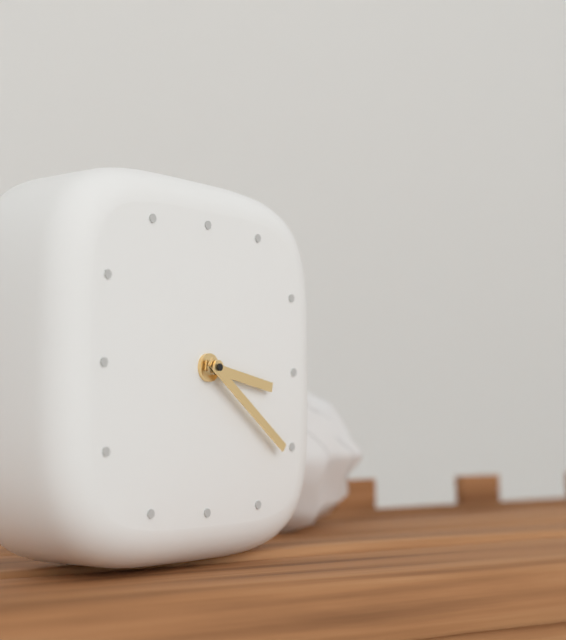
3:21
